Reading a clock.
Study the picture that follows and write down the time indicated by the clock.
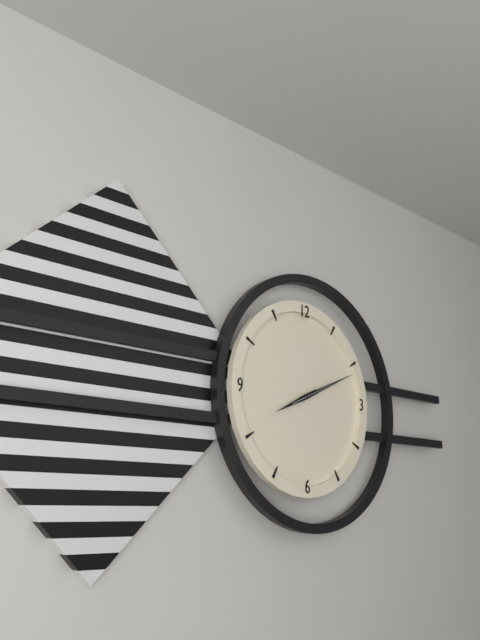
8:11:11
